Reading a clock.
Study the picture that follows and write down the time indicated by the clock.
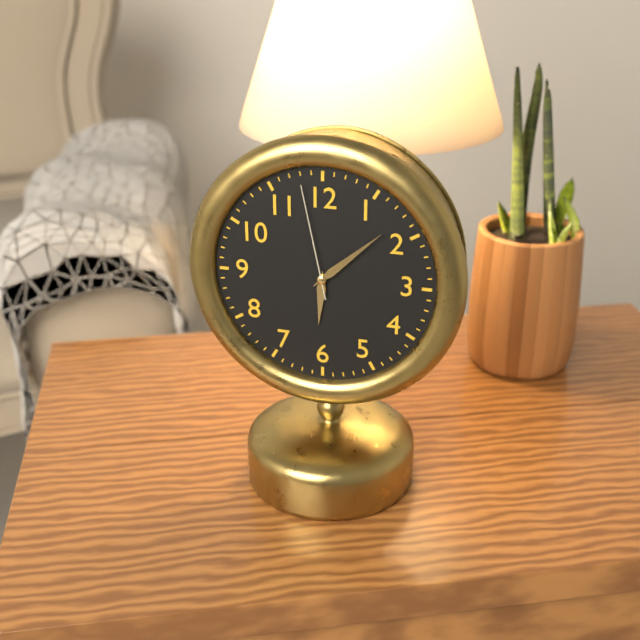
6:08:58
